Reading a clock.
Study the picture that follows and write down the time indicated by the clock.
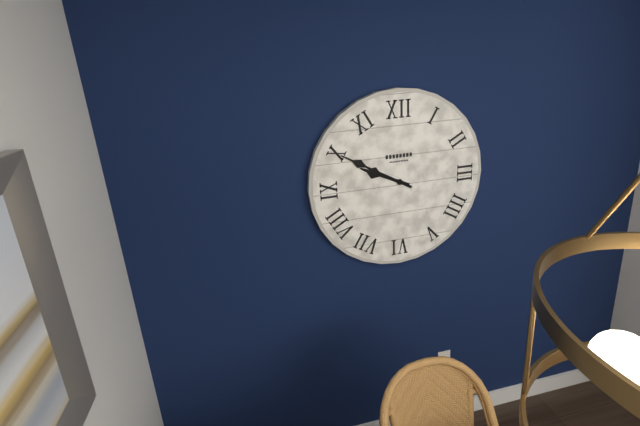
9:50
